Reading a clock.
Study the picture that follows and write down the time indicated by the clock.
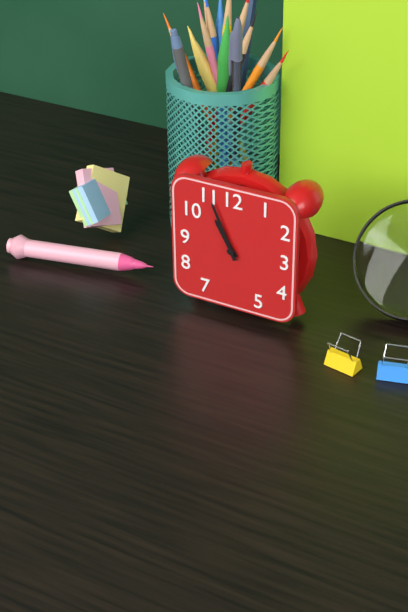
10:56
